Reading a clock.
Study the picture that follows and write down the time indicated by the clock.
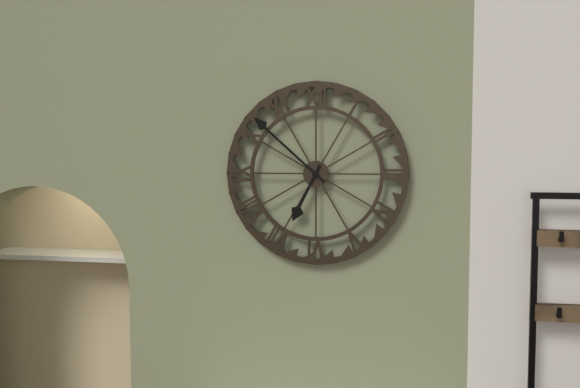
6:52
